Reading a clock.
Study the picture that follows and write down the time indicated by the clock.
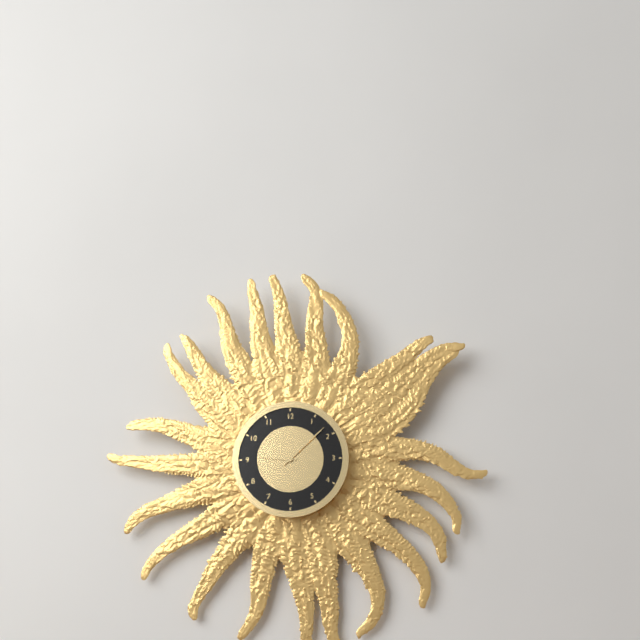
9:08
